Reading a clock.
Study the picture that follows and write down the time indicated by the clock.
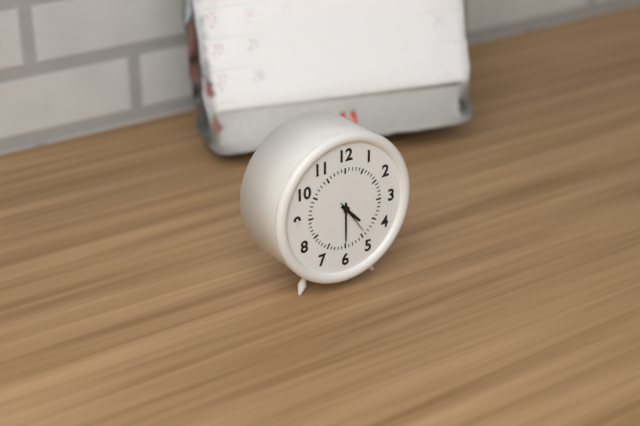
4:30
